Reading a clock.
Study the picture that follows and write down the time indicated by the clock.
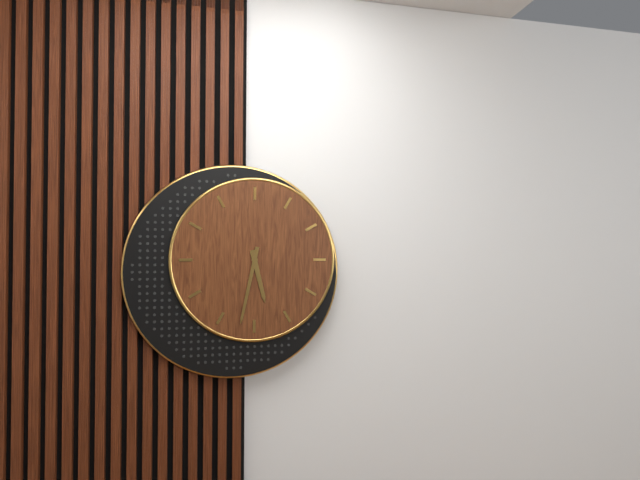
5:32
